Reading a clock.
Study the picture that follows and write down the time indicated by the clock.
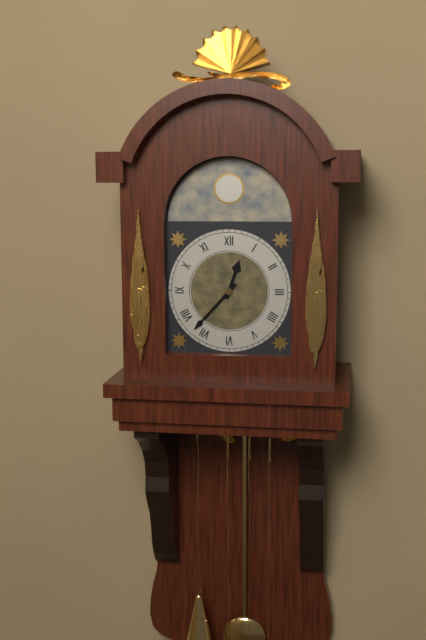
12:37
